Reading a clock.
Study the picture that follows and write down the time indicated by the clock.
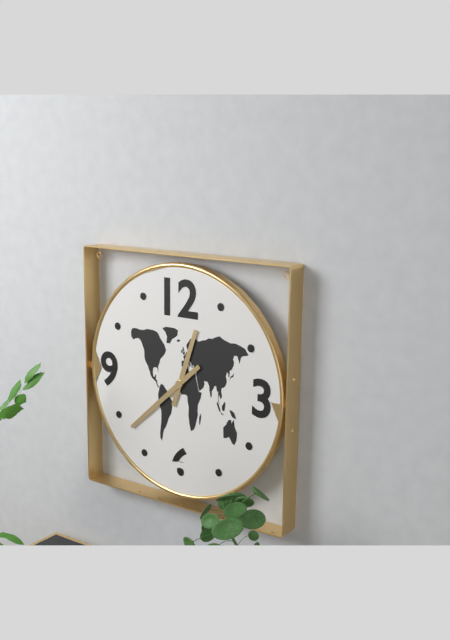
12:38
